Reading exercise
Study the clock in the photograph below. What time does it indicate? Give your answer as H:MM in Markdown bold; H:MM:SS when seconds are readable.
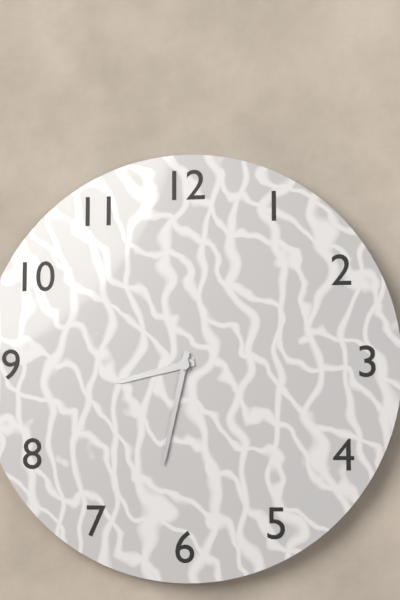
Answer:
**8:32**
